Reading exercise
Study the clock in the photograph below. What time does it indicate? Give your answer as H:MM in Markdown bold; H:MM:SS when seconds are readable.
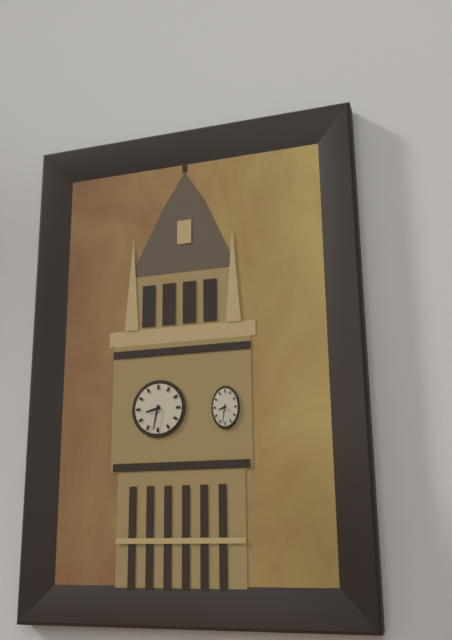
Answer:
**8:32**
